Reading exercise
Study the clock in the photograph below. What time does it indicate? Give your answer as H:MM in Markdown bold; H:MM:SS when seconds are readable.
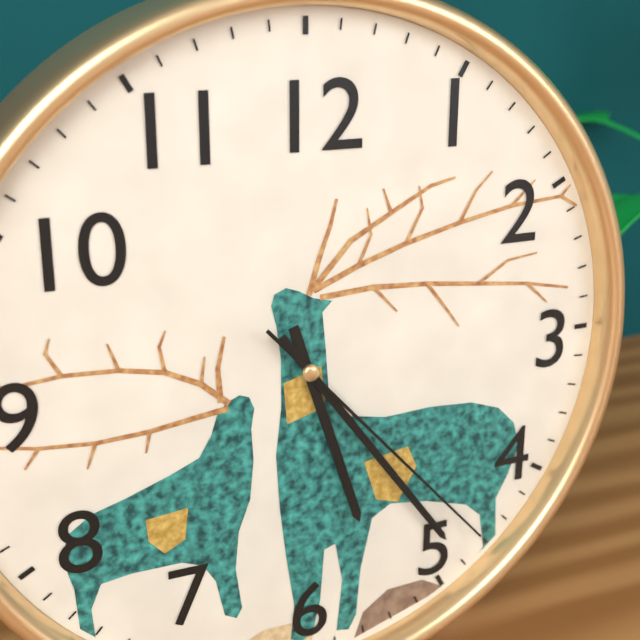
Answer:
**5:24:23**
